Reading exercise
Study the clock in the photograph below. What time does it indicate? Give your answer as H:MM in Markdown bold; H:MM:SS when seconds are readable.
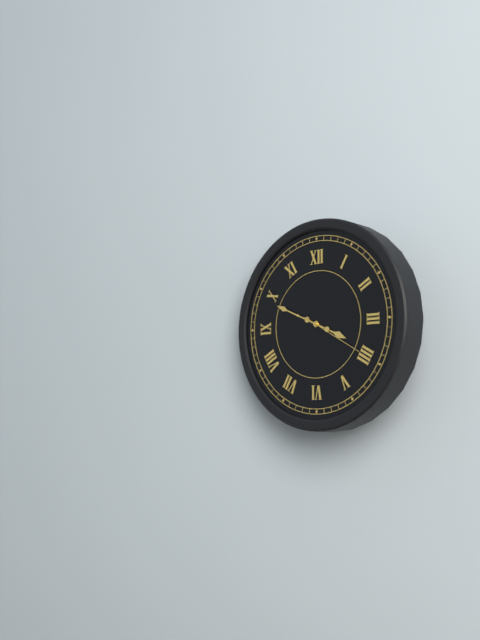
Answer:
**3:49:20**
